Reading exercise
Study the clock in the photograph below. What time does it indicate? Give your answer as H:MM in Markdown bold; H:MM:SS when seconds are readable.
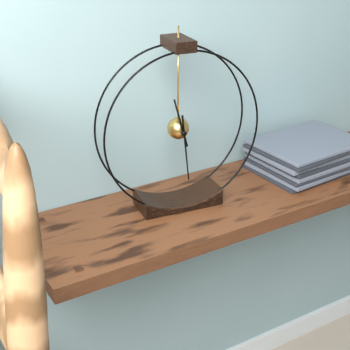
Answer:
**11:29**
